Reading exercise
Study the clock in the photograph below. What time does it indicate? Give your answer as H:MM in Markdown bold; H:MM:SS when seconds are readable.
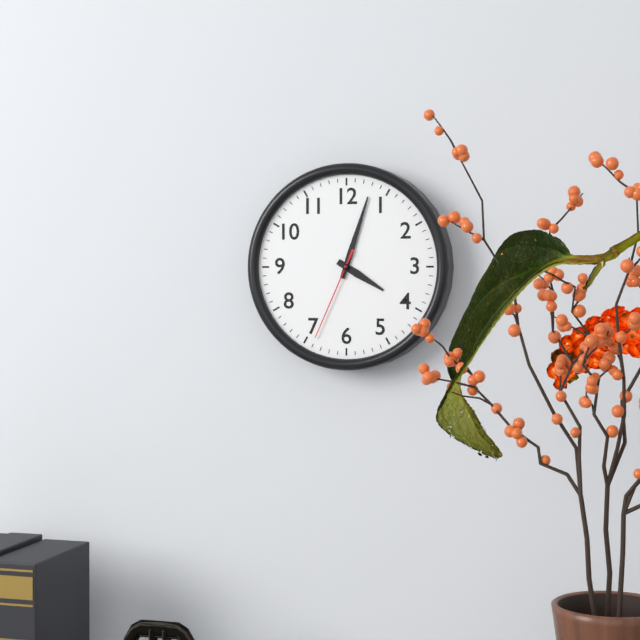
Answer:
**4:03:34**
